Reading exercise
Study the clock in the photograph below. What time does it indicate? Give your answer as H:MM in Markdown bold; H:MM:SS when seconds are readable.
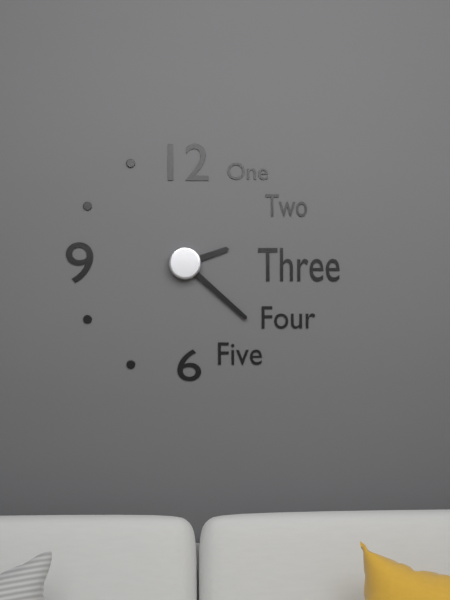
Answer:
**2:22**
